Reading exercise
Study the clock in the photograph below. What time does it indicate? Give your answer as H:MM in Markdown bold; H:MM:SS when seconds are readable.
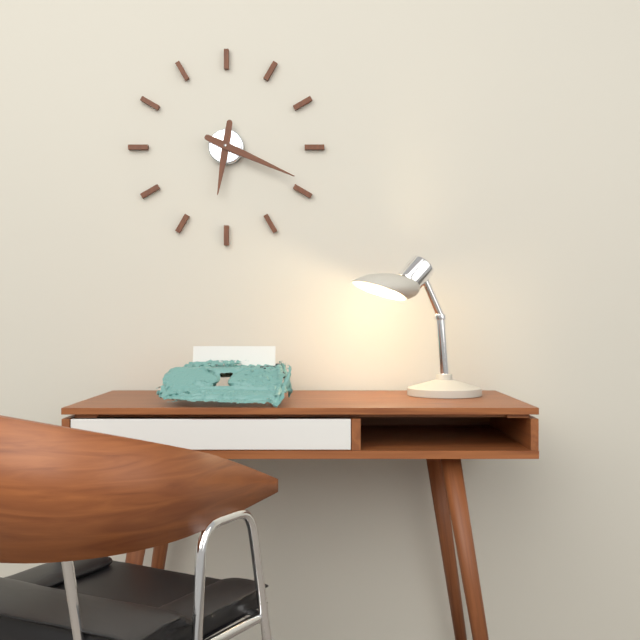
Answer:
**6:19**
